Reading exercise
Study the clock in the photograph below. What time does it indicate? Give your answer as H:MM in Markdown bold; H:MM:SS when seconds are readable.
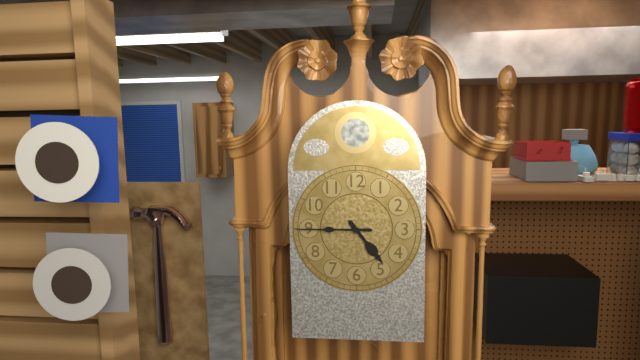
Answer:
**4:45**
